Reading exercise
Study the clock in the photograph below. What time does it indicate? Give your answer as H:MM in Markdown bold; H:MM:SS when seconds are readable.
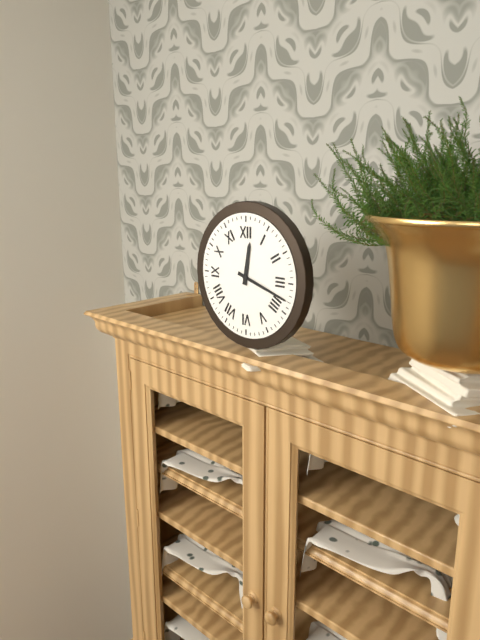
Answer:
**12:18**
